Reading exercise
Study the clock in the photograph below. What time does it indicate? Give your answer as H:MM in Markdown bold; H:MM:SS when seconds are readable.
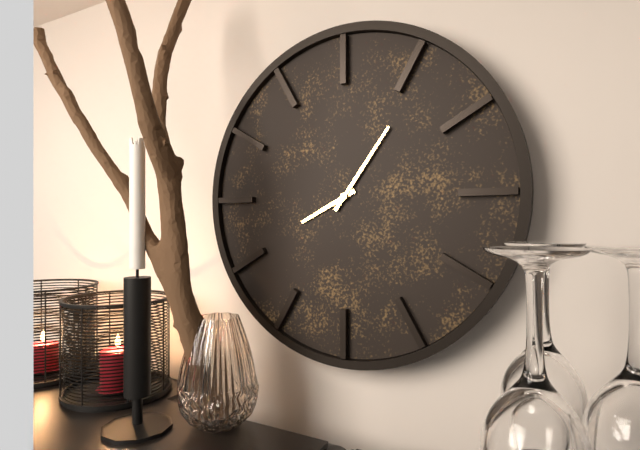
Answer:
**8:06**
